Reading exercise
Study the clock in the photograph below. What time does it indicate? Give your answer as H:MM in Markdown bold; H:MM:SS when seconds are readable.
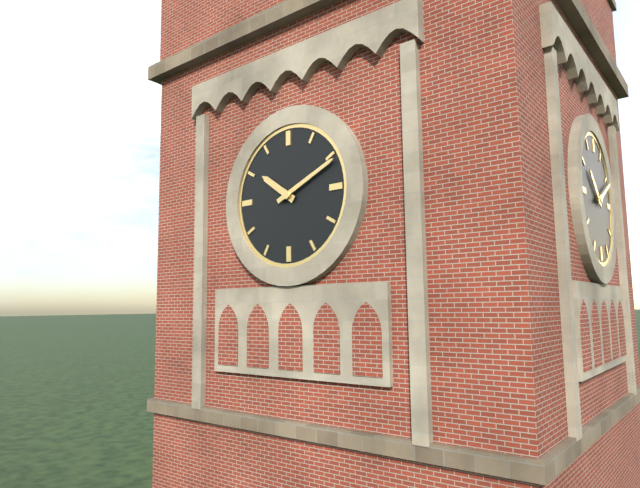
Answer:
**10:11**
